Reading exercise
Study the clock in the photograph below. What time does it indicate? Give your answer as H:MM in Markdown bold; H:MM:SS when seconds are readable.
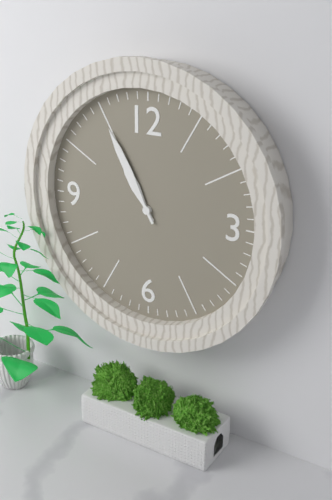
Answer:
**10:55**
